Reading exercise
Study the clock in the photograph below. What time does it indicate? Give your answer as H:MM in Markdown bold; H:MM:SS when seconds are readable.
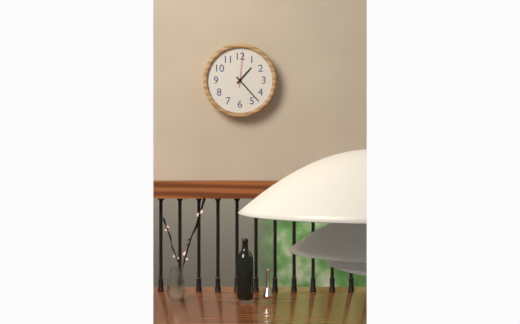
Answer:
**1:23**
